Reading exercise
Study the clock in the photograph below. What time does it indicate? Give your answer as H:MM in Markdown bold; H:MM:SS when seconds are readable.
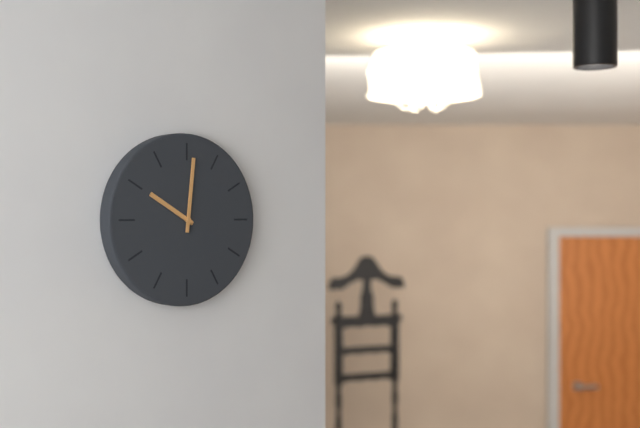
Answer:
**10:01**
